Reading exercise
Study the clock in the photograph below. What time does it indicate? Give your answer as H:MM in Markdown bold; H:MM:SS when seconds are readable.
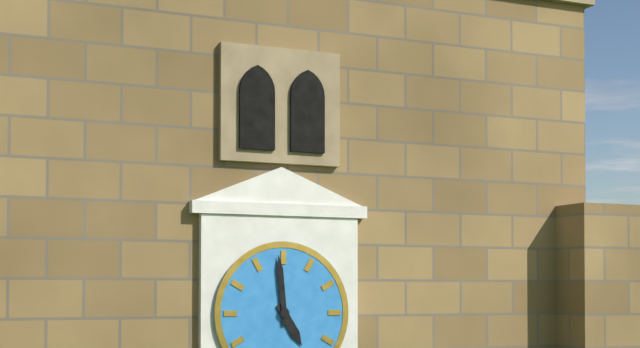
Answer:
**4:59**
